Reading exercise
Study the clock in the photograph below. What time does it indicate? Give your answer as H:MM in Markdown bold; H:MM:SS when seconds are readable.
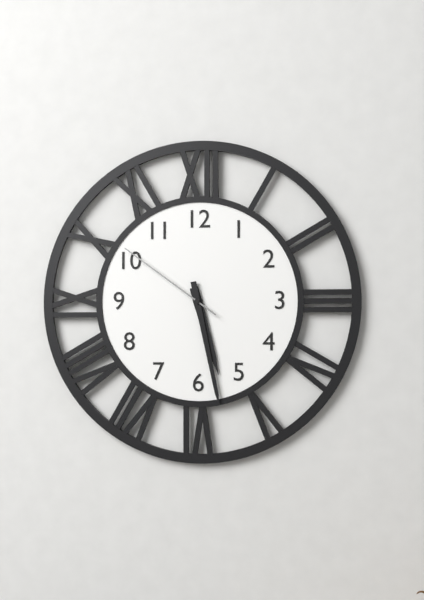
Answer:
**5:28:51**
